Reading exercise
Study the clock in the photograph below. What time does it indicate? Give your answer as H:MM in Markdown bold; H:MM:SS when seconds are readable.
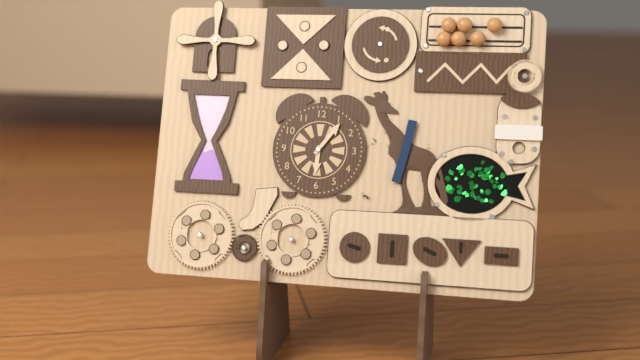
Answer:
**6:06**
